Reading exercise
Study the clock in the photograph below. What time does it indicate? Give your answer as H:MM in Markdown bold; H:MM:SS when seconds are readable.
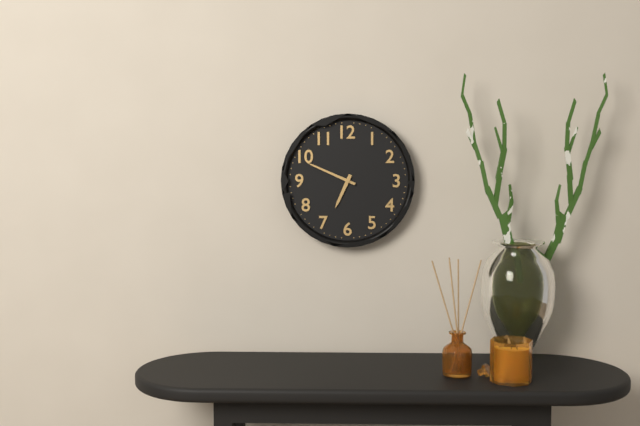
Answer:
**6:49**
